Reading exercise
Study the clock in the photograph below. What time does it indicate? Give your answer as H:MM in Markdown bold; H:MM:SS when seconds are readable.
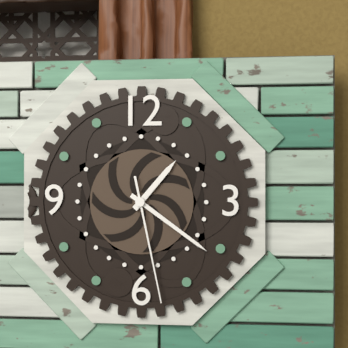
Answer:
**1:21:28**
